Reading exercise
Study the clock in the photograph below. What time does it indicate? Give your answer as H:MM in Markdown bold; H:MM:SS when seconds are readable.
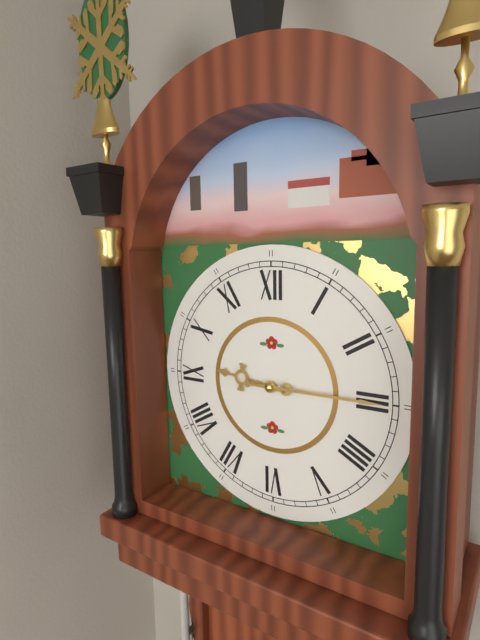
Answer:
**9:15**
